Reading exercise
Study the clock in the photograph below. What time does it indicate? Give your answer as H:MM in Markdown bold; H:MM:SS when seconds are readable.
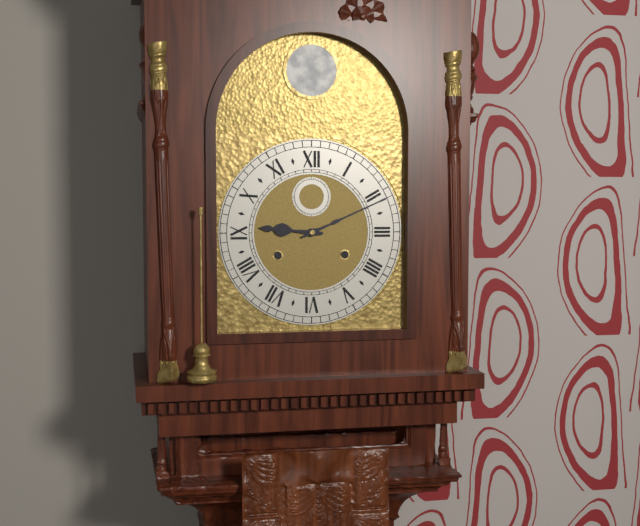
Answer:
**9:11**
